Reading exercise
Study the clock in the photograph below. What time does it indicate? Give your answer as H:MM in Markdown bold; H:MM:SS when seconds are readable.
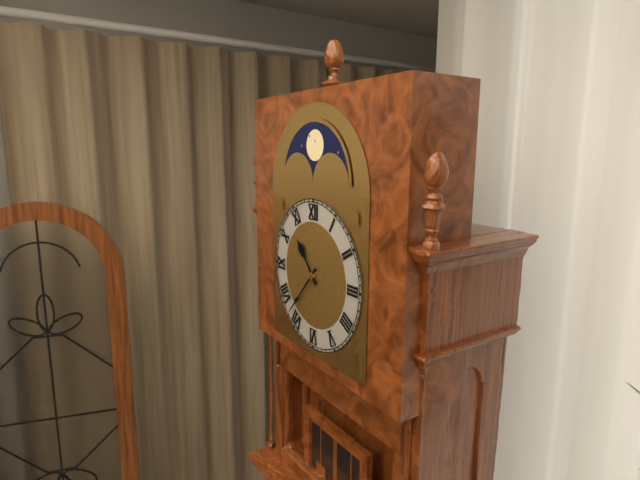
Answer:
**10:37**
